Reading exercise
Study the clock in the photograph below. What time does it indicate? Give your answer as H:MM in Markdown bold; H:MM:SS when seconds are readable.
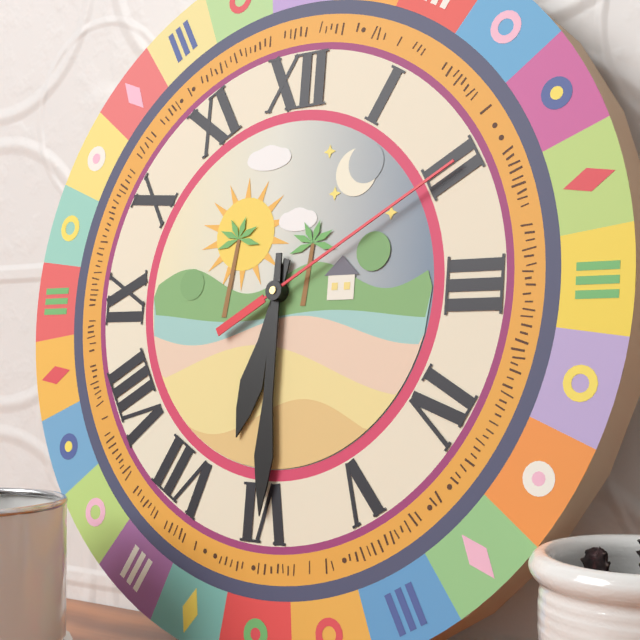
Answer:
**6:30:10**
